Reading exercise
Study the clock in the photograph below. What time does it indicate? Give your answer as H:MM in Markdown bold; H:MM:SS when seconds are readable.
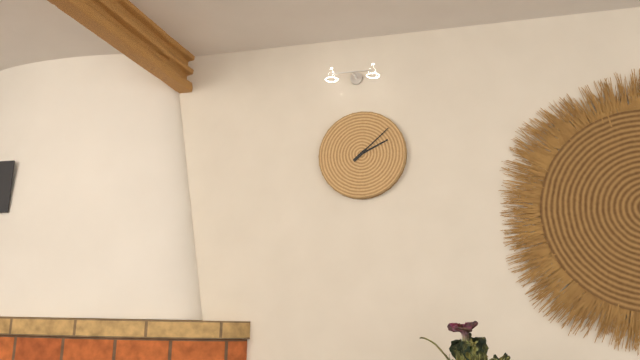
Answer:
**2:08**
